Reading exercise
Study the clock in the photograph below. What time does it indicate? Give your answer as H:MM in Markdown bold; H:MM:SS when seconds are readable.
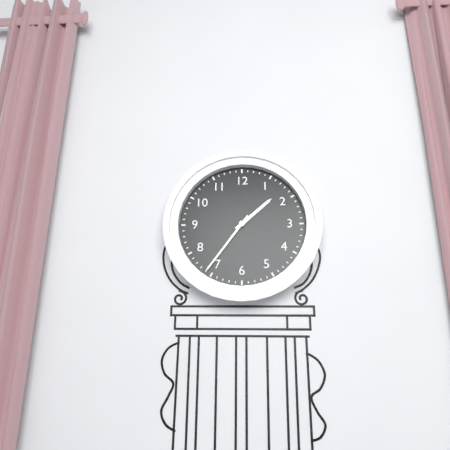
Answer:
**1:36**
